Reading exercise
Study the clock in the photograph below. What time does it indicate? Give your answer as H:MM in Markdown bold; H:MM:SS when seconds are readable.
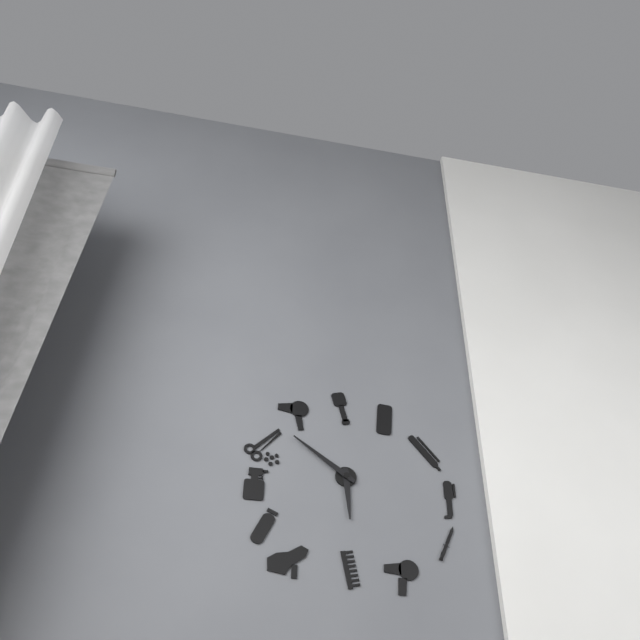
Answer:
**5:51**
